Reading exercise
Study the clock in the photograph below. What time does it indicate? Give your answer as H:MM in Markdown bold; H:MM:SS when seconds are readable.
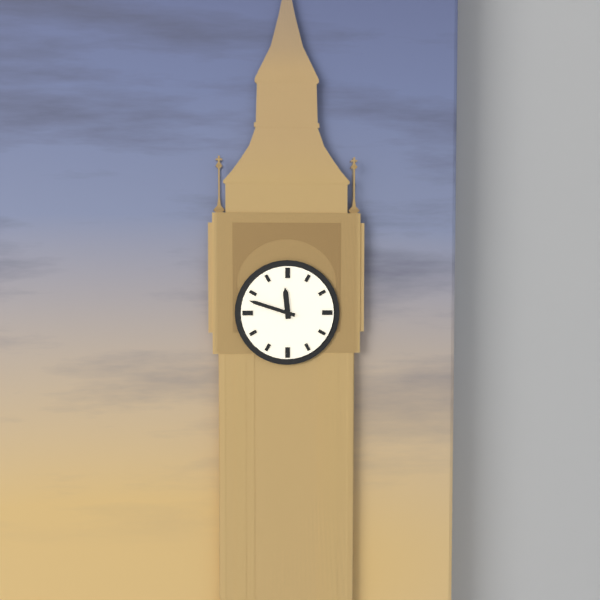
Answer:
**11:48**
